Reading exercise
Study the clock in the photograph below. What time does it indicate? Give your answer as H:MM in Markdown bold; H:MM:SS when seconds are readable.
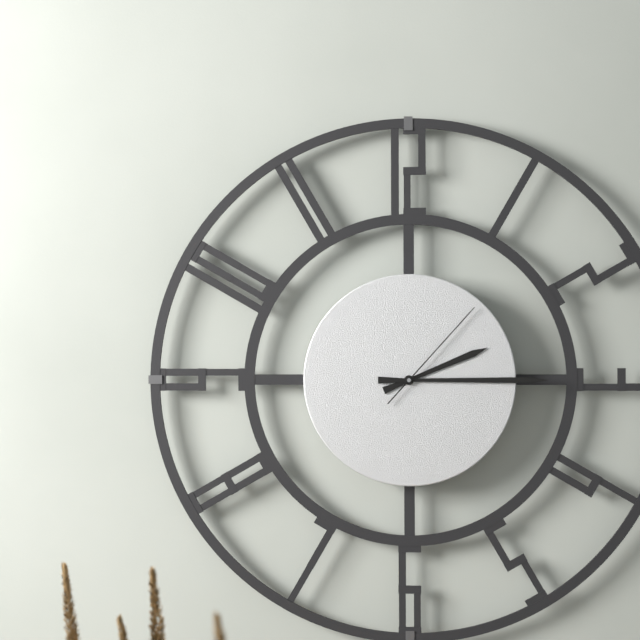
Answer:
**2:15:07**
